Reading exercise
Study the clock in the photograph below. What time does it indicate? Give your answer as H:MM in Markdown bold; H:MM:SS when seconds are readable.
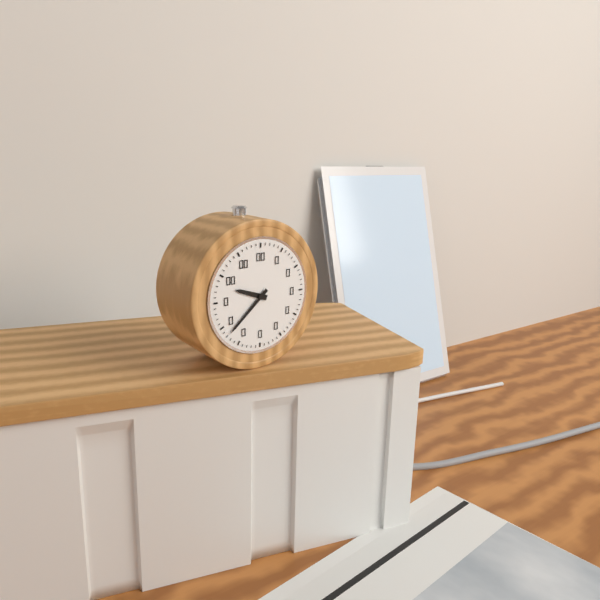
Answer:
**9:38**
